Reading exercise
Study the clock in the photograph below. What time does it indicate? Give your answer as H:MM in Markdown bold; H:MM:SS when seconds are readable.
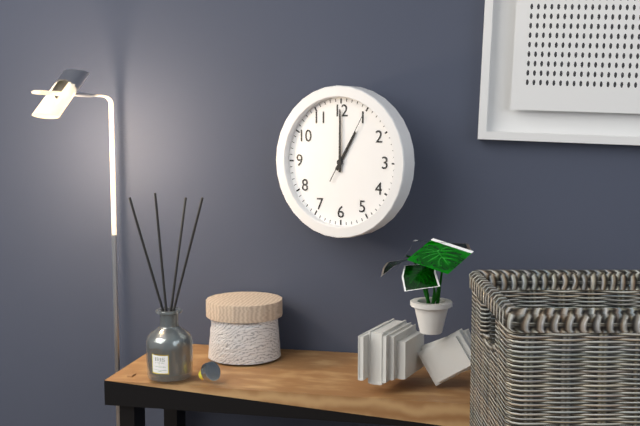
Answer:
**1:00:05**
